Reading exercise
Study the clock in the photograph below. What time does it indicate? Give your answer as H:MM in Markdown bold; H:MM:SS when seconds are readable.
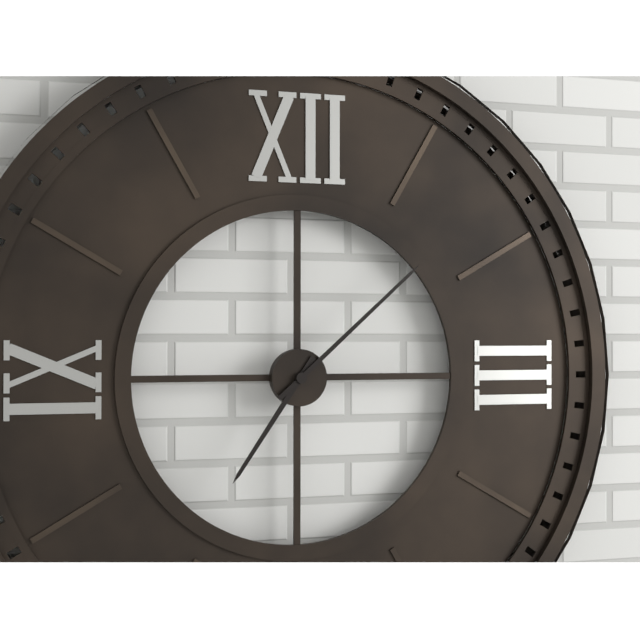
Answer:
**7:08**
